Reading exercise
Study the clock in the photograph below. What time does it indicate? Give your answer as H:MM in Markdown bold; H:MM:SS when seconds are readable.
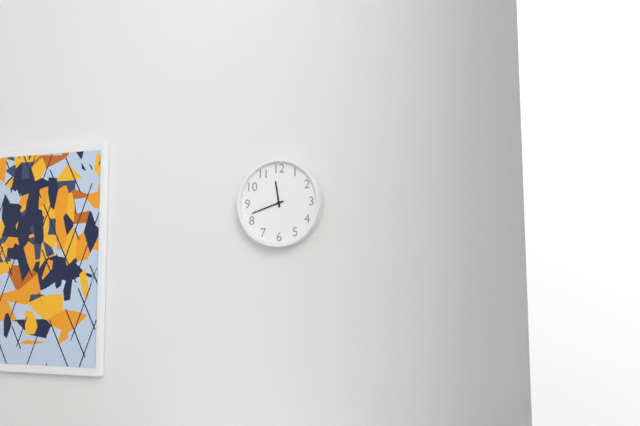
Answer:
**11:42**
